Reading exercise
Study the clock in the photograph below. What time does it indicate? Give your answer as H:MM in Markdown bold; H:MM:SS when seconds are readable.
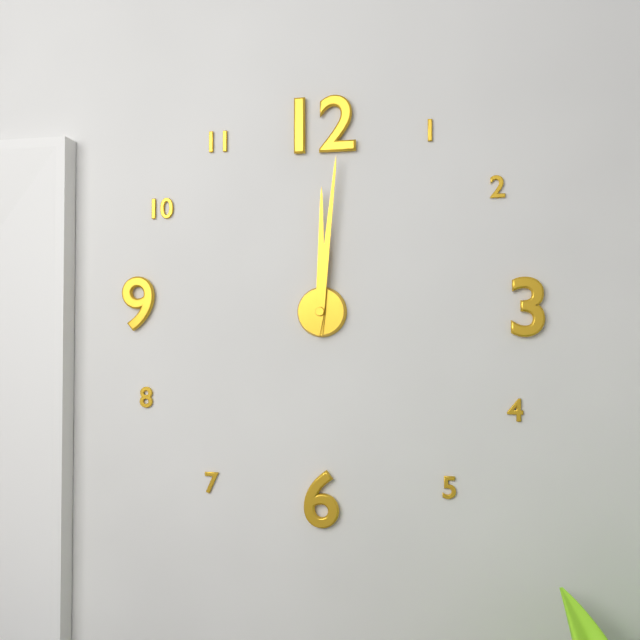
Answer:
**12:01**
